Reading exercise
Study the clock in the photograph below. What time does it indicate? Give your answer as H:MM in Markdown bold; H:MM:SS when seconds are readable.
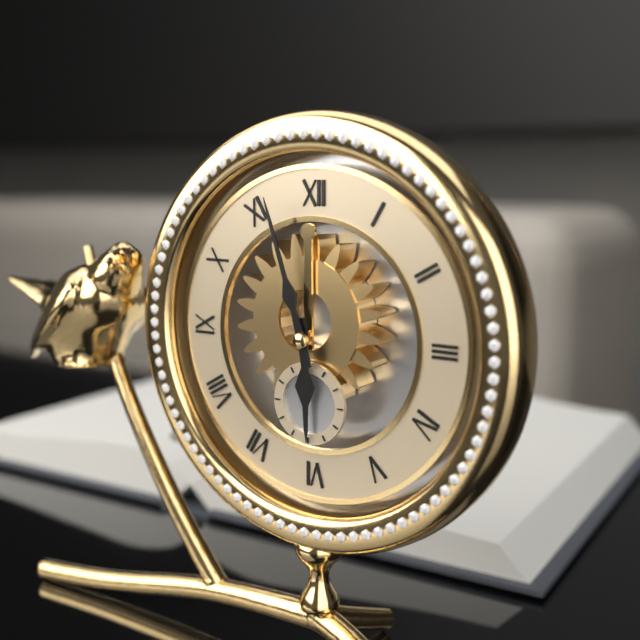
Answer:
**5:57**
